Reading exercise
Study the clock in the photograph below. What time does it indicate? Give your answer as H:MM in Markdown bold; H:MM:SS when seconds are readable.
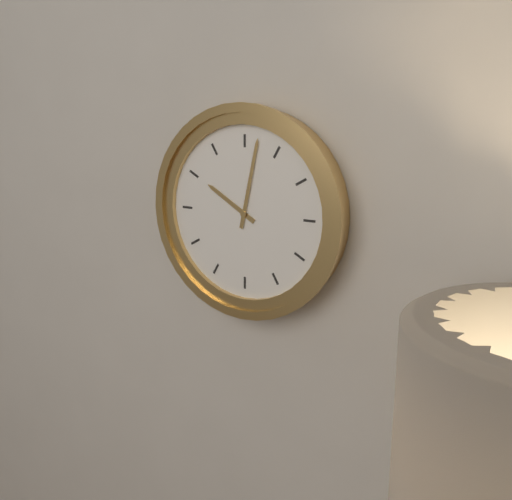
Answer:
**10:02**
